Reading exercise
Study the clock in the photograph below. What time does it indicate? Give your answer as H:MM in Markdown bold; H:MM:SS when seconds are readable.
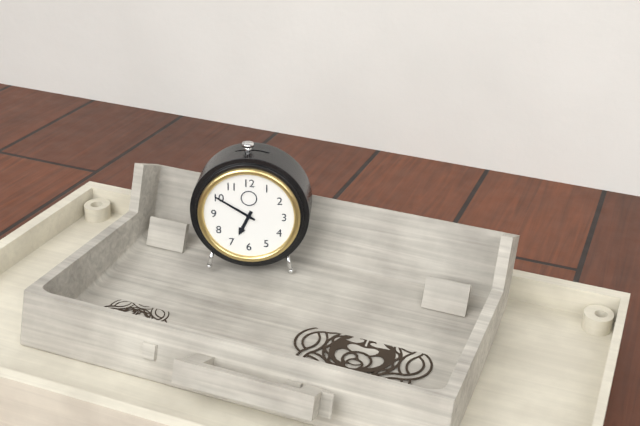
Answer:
**6:50**
